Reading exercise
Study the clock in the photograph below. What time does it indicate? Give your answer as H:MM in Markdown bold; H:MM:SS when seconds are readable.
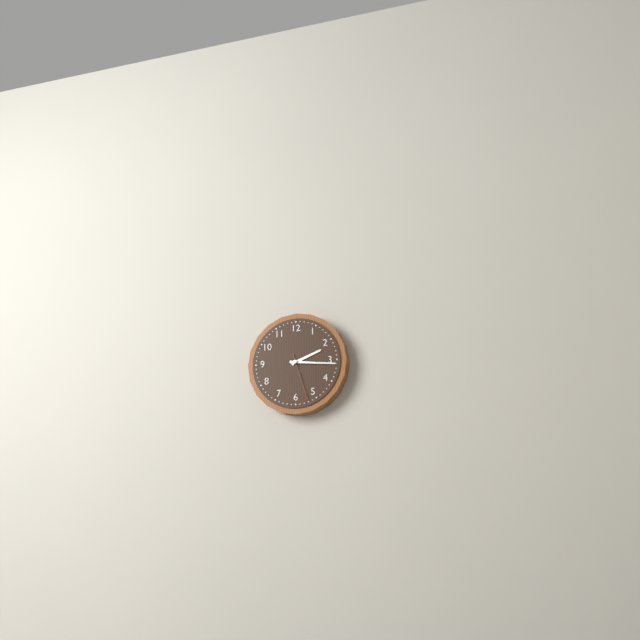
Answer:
**2:16:27**
